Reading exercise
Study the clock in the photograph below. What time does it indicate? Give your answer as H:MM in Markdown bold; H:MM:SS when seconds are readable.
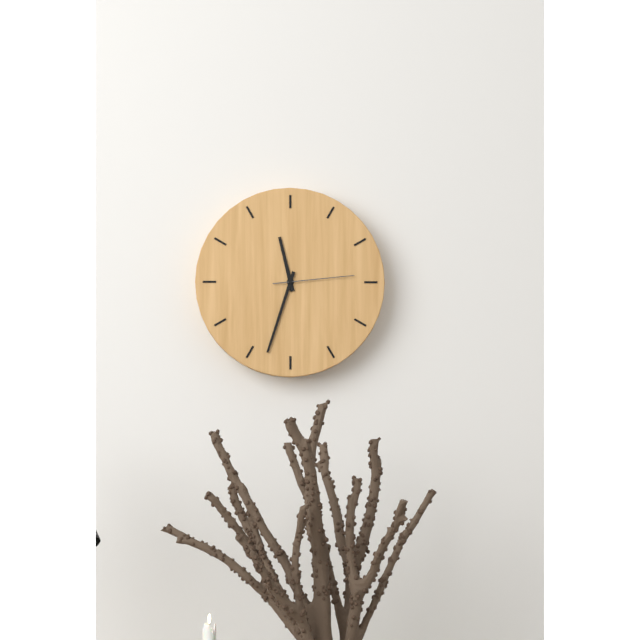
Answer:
**11:33:14**
